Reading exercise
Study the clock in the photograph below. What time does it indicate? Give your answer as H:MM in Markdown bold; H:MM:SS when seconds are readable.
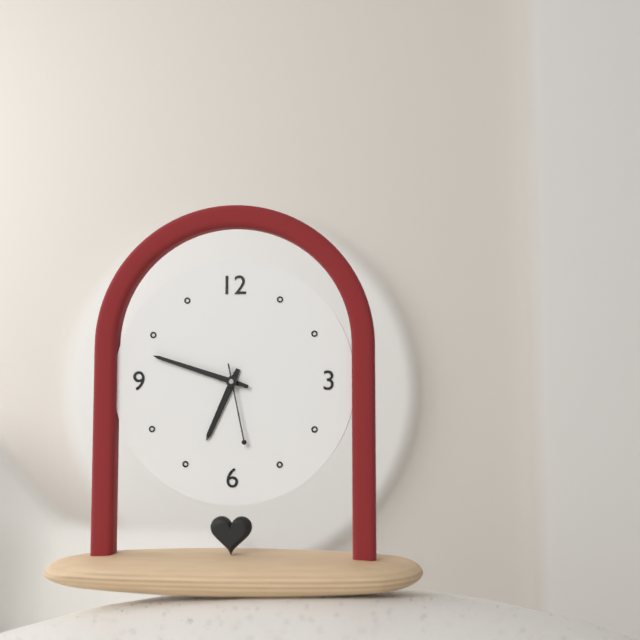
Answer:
**6:48:28**
